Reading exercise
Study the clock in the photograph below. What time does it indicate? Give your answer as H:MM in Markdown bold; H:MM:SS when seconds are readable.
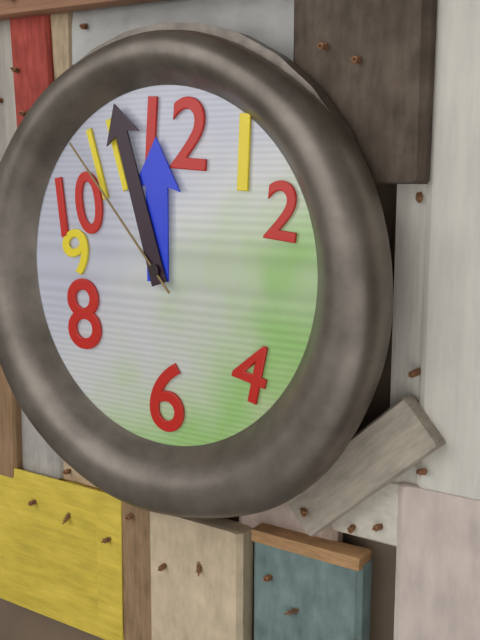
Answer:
**11:57:53**
